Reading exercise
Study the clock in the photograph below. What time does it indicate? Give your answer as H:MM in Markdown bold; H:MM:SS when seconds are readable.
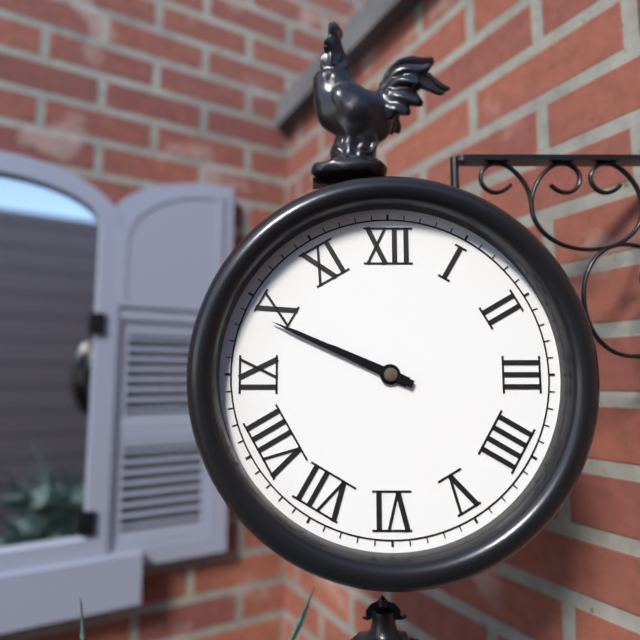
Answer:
**9:49**
